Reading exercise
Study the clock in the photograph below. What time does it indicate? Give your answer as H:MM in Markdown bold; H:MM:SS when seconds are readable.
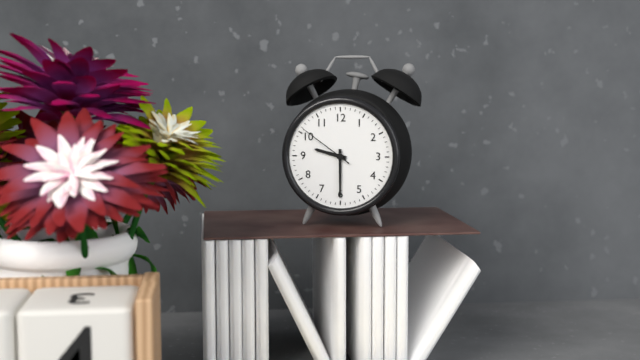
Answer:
**9:30:51**
